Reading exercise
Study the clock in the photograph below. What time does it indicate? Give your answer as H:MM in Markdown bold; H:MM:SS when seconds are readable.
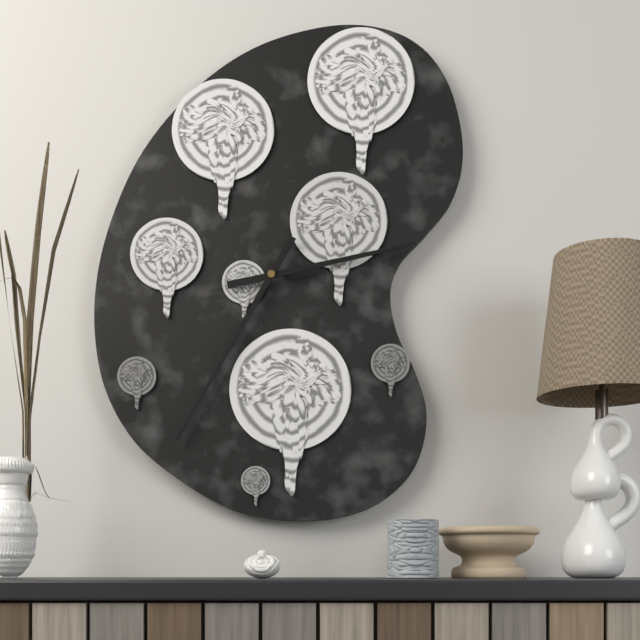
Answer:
**2:35**
